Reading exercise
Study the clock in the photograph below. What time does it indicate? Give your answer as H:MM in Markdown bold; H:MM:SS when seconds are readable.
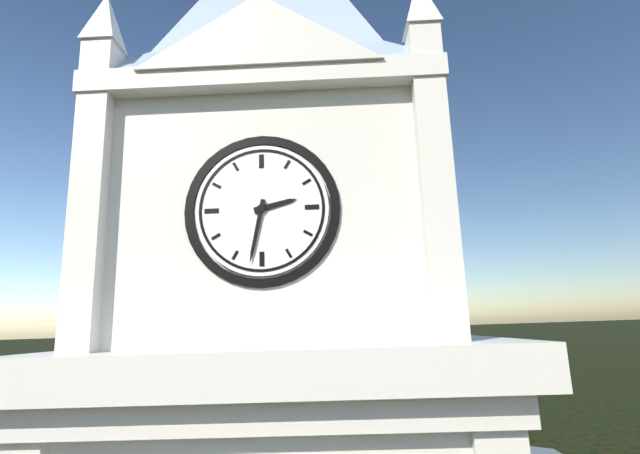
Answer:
**2:32**
